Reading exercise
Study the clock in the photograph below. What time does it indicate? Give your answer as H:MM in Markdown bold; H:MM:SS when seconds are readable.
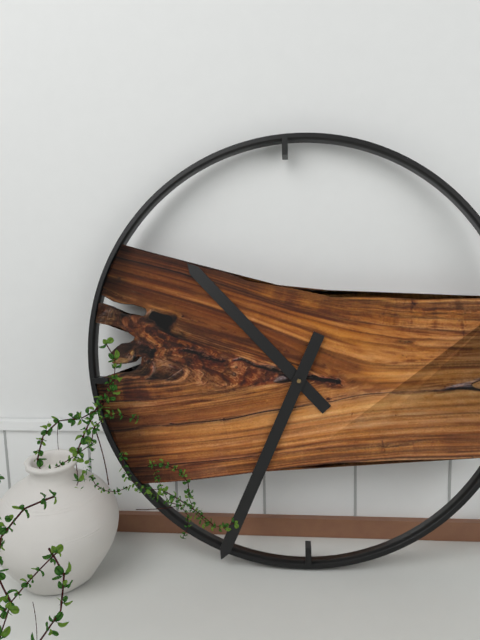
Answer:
**10:34**
